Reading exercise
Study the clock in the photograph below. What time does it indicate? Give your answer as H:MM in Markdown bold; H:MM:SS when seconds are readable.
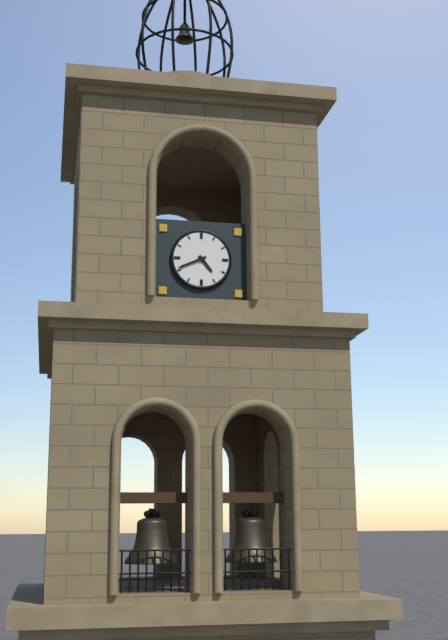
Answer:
**4:41**
